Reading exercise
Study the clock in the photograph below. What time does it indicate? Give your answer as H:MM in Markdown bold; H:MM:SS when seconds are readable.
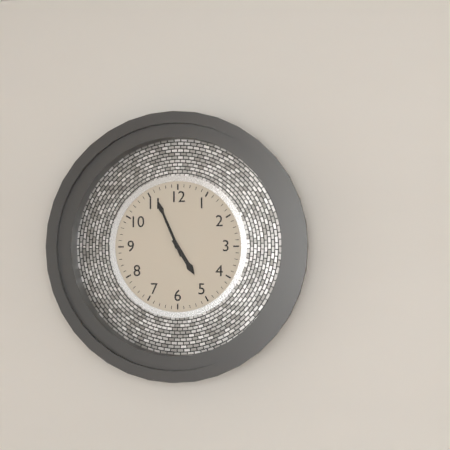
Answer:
**4:56**
